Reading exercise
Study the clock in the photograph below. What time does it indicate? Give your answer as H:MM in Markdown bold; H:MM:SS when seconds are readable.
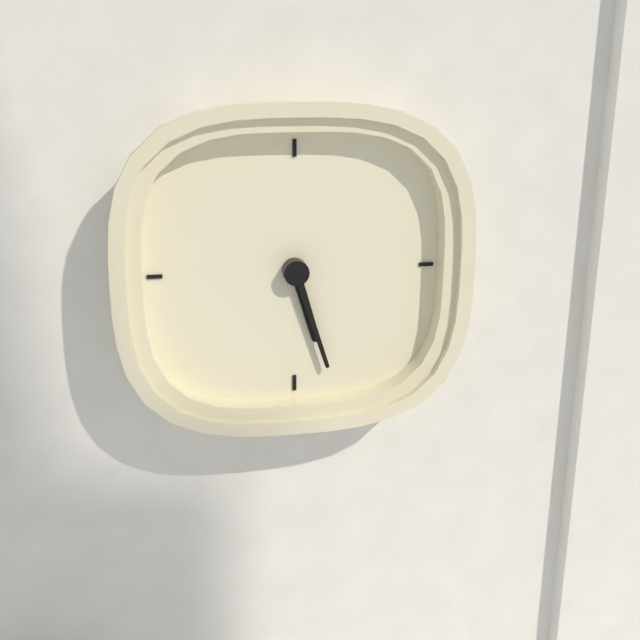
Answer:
**5:27**
